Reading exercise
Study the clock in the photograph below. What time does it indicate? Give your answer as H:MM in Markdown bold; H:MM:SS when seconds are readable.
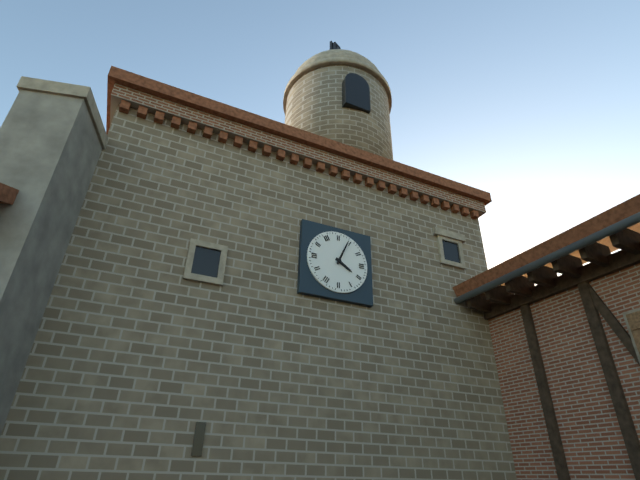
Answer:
**4:04**
